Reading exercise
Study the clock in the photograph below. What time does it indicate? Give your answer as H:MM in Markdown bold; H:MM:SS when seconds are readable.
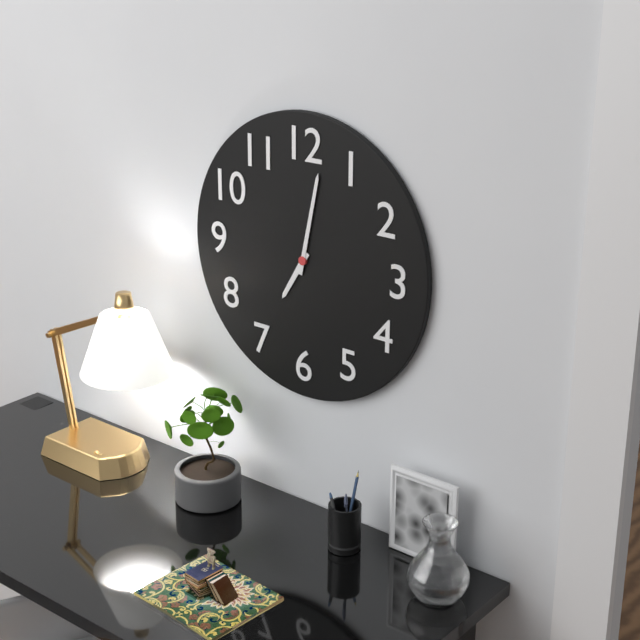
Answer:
**7:02**
